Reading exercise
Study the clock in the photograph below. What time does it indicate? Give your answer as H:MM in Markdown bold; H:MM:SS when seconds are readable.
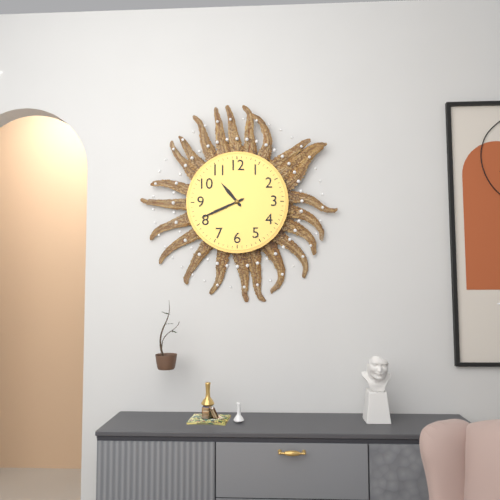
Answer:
**10:41**
